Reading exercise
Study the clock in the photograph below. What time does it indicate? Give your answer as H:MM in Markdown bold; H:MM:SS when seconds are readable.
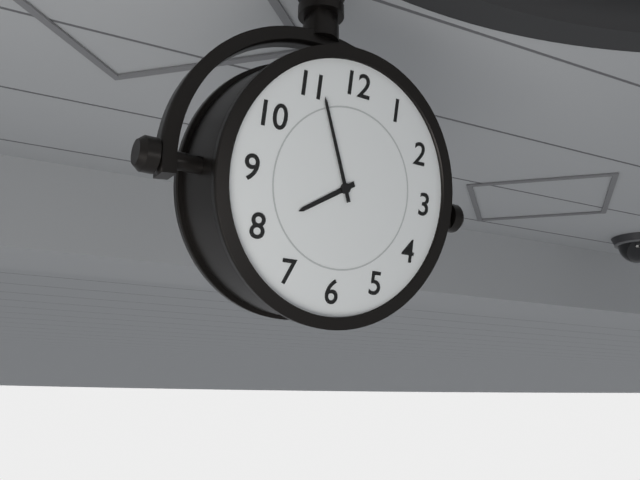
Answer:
**7:56**
